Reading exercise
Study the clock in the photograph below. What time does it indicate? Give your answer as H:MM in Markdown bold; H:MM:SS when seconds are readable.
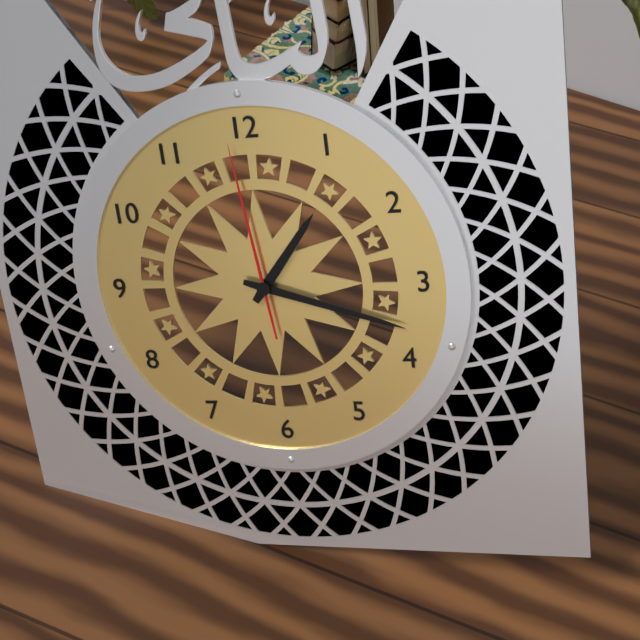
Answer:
**1:18:59**
